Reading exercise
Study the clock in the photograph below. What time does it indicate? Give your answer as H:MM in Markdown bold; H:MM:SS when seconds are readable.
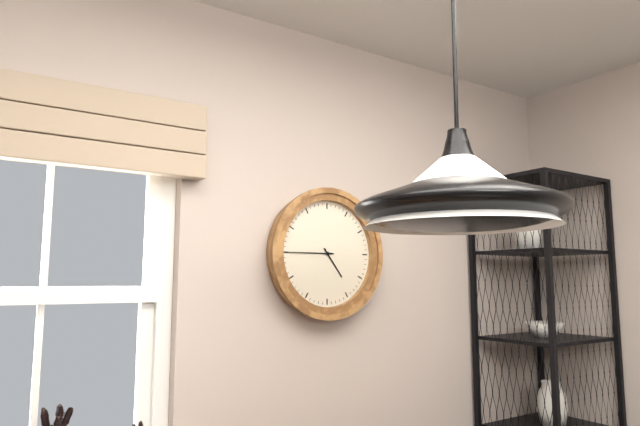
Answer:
**4:45**
